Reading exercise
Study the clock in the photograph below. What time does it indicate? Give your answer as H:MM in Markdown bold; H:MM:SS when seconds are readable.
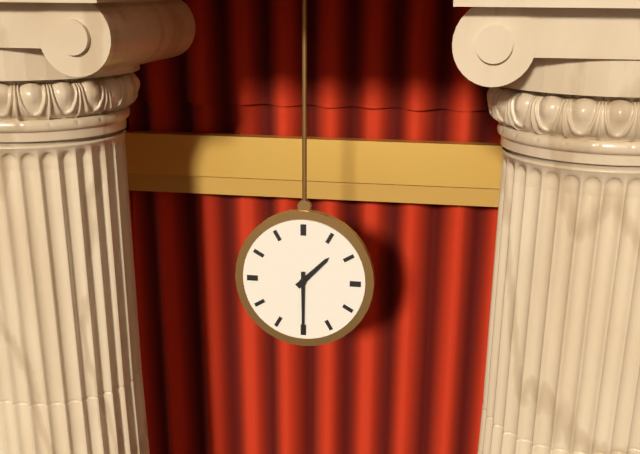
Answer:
**1:30**
